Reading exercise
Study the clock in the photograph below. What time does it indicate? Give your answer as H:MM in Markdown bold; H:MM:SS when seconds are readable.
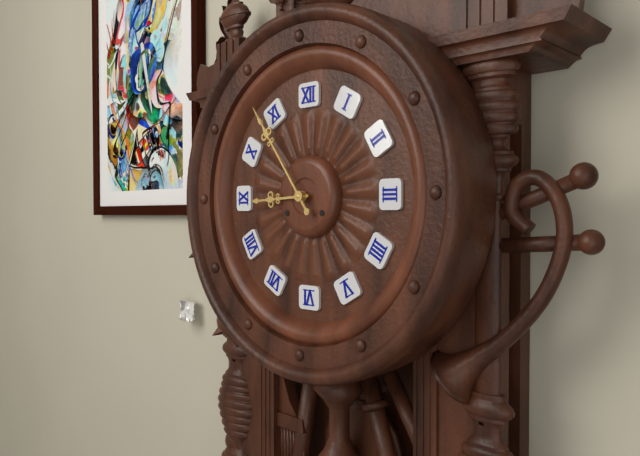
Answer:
**8:54**
